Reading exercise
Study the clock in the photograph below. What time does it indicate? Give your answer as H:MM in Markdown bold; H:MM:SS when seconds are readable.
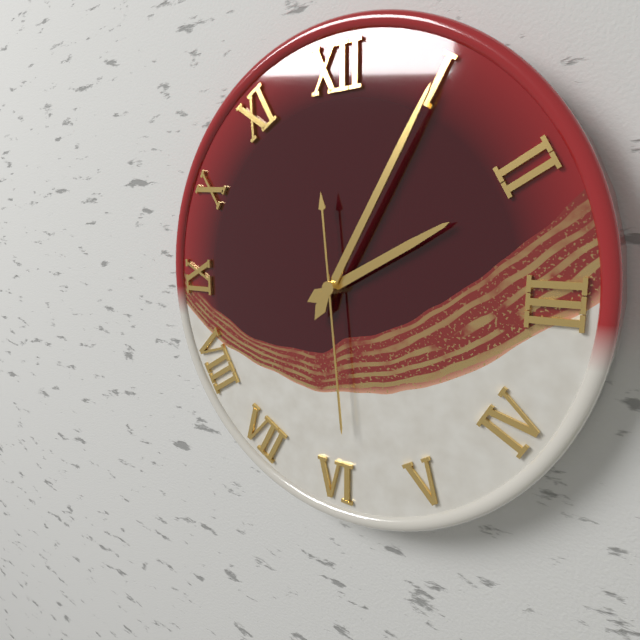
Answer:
**2:05:29**
